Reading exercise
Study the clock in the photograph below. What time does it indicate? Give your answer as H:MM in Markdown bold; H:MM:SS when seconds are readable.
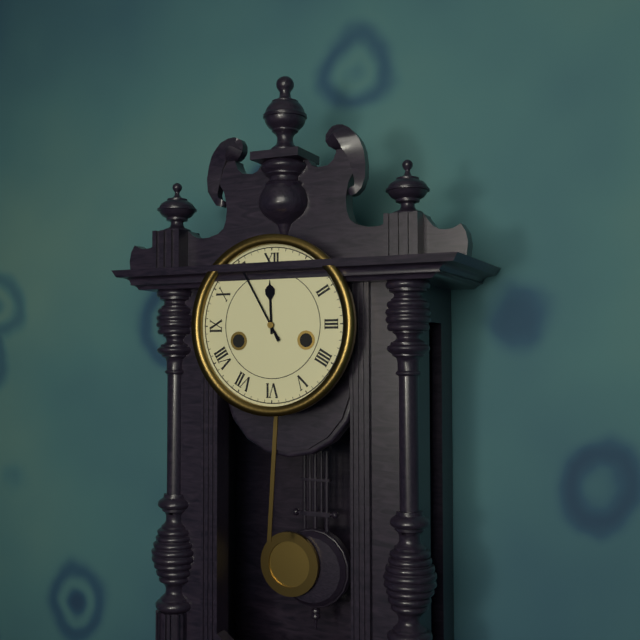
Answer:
**11:55**
